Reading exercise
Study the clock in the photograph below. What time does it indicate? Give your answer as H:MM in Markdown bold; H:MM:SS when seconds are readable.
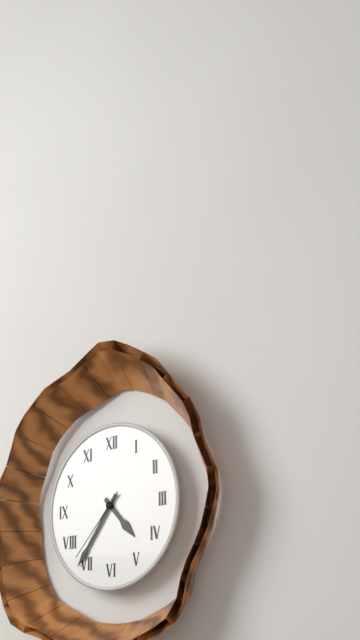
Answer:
**4:36:37**
